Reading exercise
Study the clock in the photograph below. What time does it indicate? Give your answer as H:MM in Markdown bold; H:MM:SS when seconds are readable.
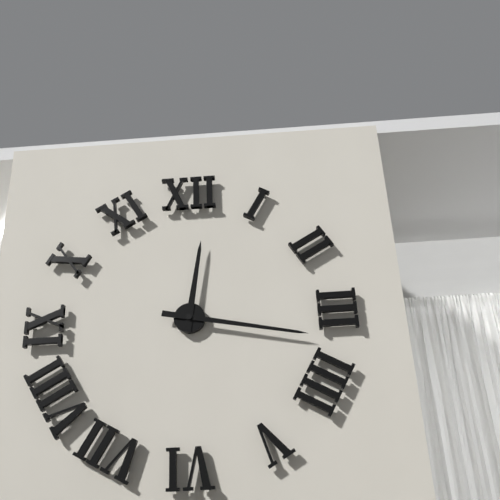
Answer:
**12:17**
